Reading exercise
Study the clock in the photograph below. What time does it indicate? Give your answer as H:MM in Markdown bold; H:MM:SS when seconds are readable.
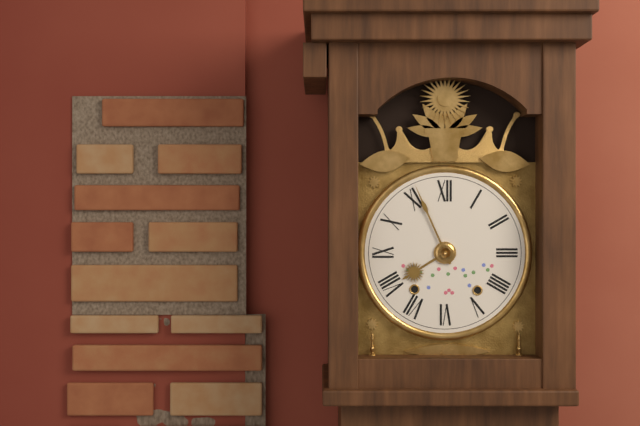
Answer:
**7:56**
